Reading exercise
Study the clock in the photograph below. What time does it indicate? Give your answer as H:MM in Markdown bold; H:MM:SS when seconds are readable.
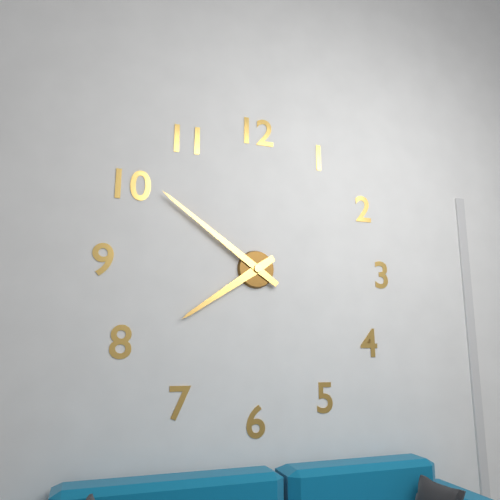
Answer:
**7:51**
